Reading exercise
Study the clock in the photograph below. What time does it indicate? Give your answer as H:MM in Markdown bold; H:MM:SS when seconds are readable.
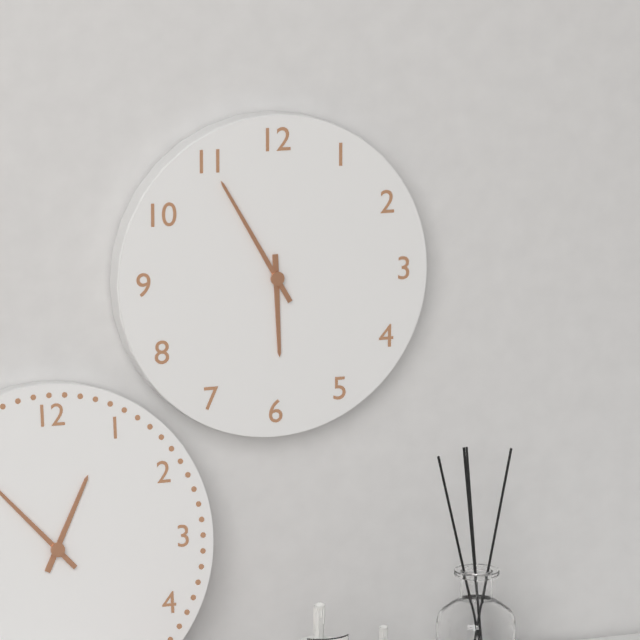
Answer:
**5:55**
